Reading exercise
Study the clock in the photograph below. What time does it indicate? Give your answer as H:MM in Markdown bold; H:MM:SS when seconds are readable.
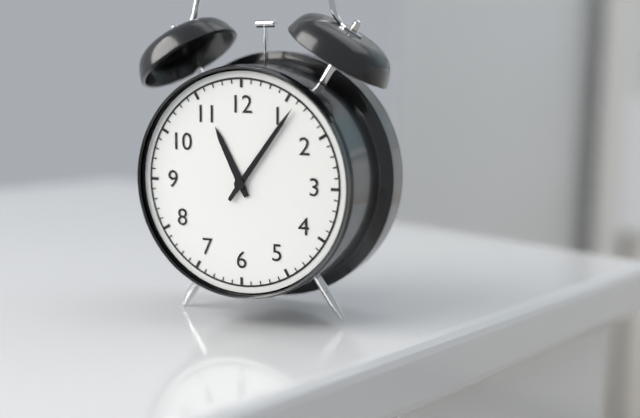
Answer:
**11:06**
